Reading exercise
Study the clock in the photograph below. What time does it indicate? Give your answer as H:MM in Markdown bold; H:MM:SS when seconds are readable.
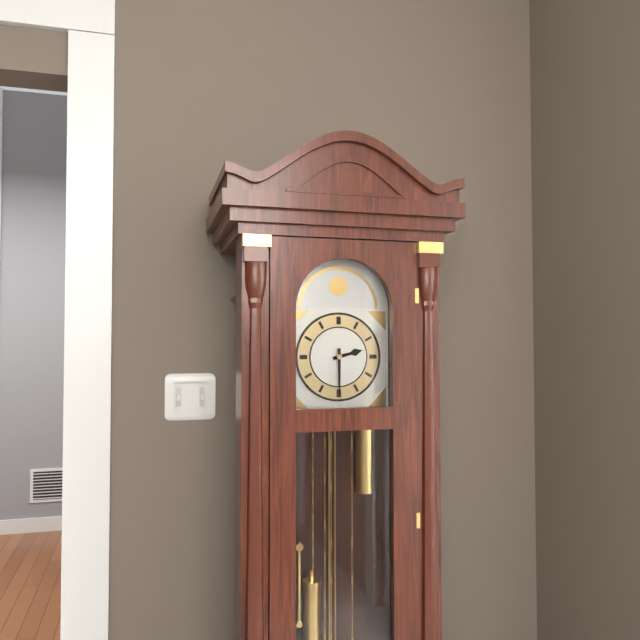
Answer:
**2:30**
